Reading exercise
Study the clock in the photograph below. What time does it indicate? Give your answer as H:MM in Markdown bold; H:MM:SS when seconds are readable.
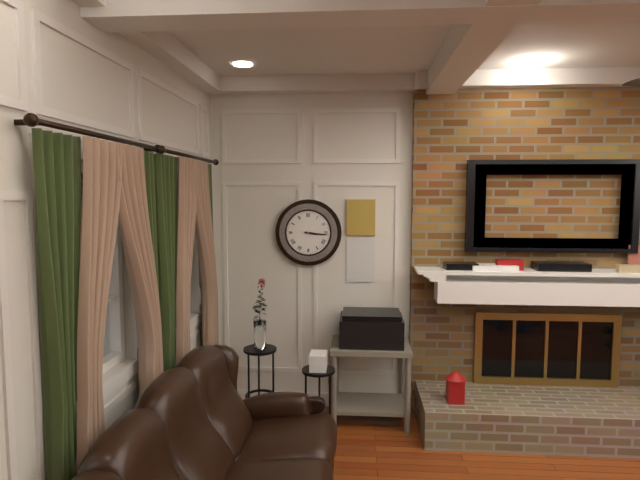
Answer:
**3:16**
